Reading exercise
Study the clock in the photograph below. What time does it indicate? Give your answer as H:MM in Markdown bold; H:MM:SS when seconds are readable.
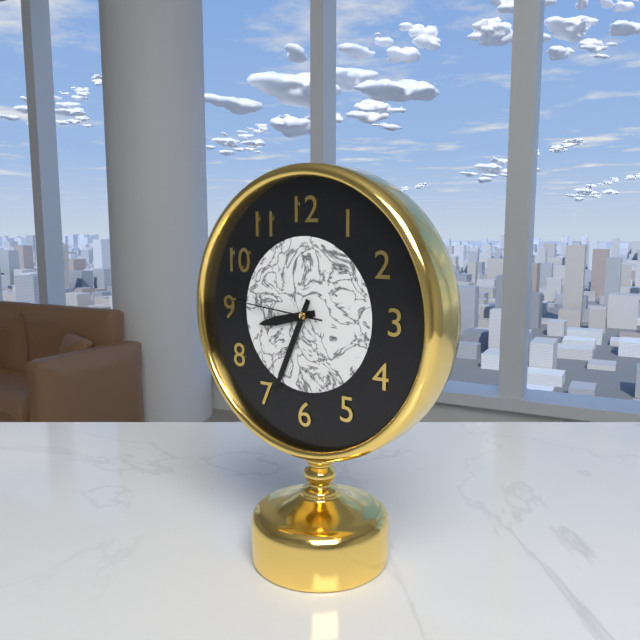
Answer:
**8:34:46**
